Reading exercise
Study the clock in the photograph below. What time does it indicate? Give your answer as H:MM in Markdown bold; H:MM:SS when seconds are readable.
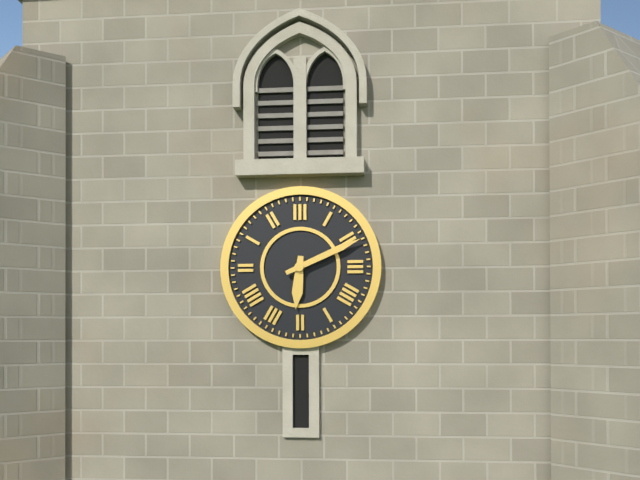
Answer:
**6:11**
